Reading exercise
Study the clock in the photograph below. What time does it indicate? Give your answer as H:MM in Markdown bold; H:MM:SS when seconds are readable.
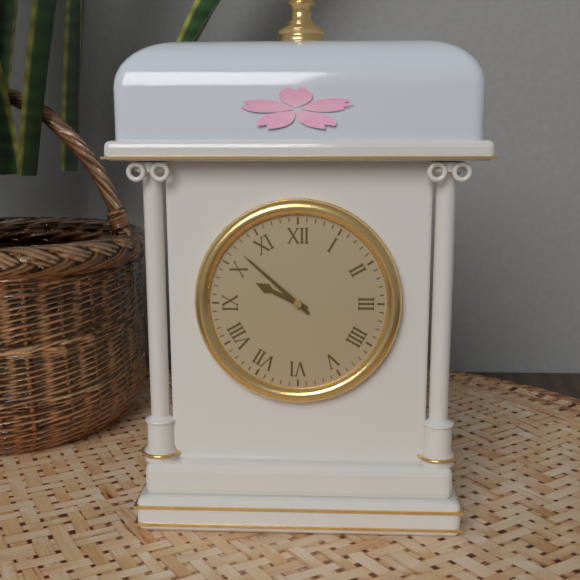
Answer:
**9:52**
